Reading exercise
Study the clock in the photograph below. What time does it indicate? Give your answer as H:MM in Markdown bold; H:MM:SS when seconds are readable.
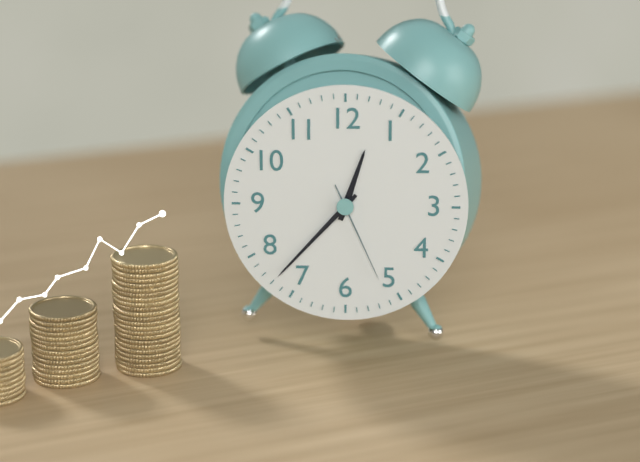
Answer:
**12:37:26**
